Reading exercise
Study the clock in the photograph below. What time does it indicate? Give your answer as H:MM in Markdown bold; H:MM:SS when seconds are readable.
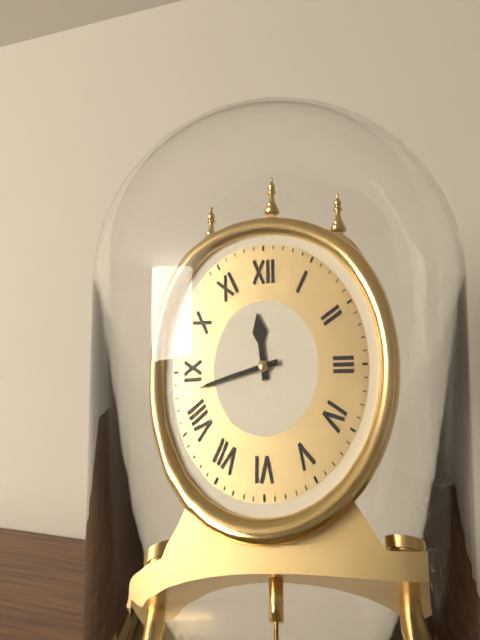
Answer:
**11:43**
